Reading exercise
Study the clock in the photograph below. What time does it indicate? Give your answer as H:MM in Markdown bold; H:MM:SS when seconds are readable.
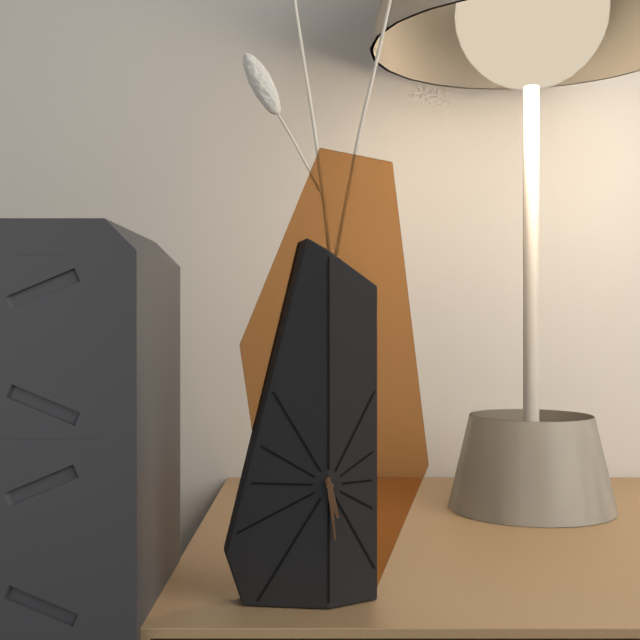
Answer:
**5:29**
